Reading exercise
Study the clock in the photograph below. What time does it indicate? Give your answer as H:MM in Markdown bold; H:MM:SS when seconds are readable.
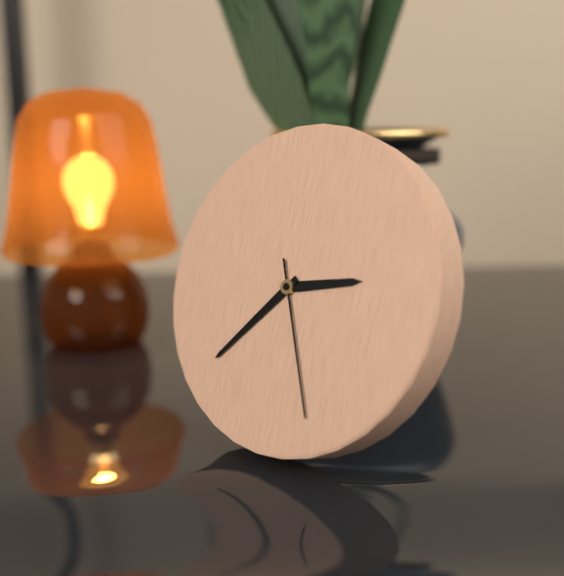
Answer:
**2:37:26**
